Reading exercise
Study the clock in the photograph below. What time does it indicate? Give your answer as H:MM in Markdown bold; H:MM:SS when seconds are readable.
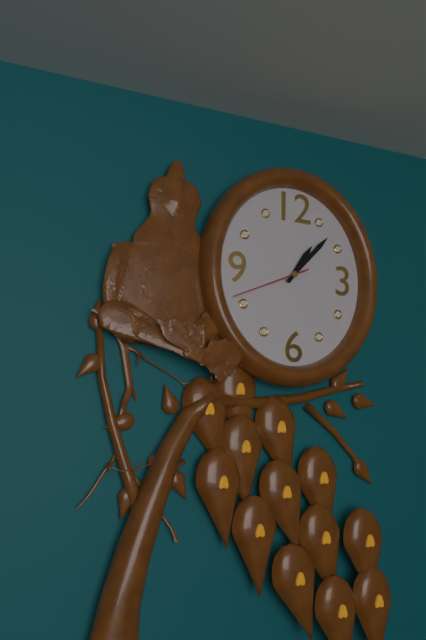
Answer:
**1:07:41**
